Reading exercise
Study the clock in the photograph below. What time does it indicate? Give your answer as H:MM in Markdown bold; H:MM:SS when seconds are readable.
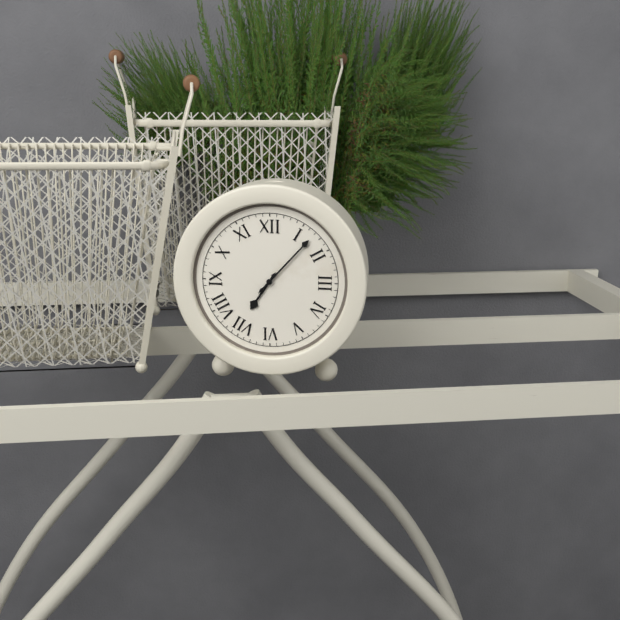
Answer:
**7:07**
